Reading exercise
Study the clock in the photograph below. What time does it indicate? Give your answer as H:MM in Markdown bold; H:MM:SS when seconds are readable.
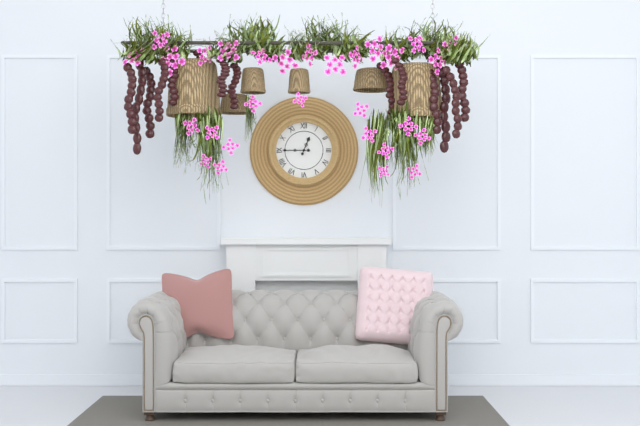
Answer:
**12:45**
